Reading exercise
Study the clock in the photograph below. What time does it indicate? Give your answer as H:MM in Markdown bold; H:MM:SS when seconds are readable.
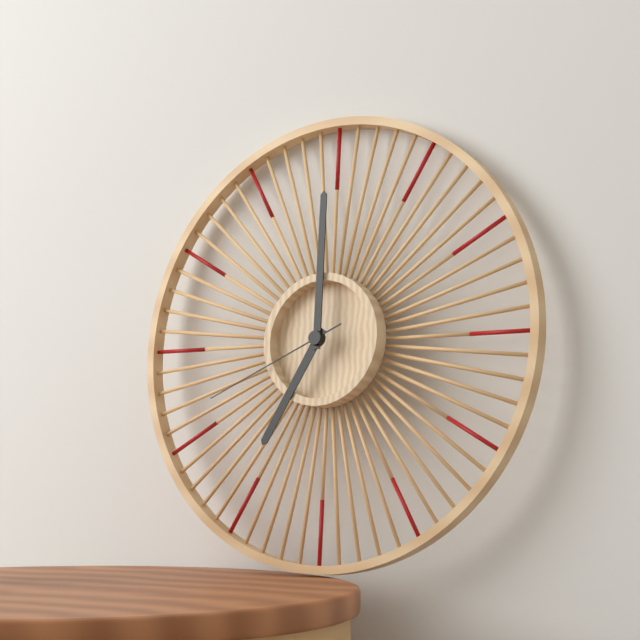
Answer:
**7:00:41**
